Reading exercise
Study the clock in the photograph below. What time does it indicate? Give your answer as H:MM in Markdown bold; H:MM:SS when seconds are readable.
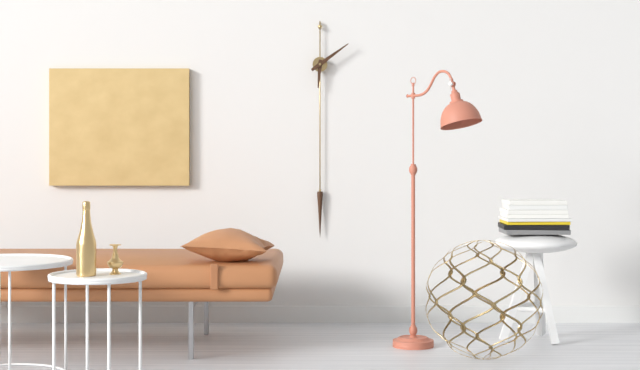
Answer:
**6:09**
